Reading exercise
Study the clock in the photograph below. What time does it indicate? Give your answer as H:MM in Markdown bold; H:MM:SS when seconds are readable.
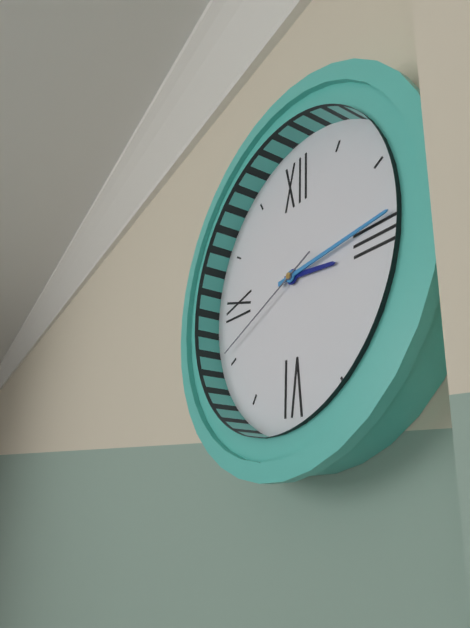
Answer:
**3:14:41**
